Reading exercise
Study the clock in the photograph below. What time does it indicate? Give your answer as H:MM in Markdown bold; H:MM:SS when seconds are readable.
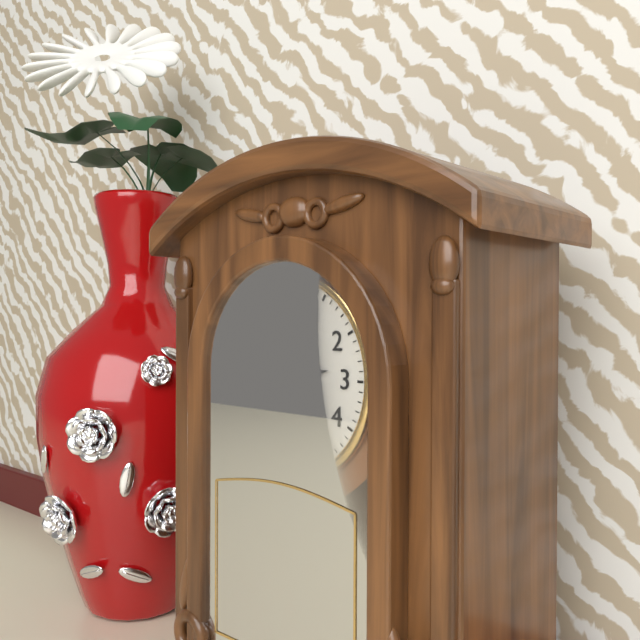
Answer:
**2:42**
